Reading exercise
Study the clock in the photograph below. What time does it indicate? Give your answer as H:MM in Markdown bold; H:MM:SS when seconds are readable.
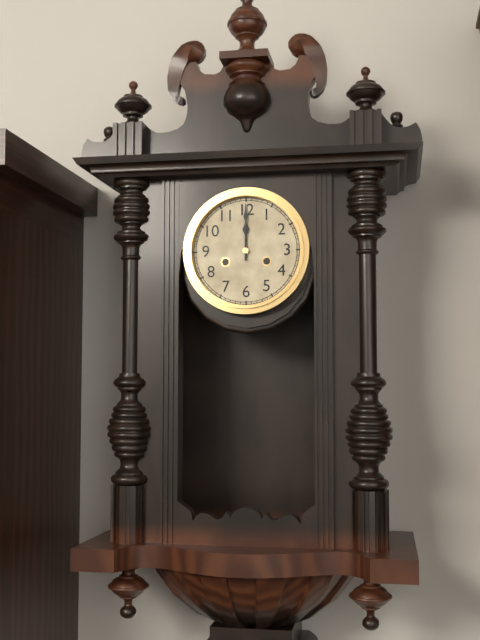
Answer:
**12:00**
